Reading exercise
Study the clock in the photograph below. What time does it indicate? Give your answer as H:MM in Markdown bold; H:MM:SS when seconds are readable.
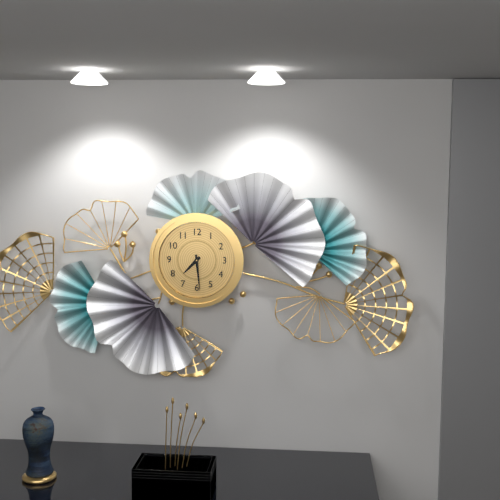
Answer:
**7:29**
